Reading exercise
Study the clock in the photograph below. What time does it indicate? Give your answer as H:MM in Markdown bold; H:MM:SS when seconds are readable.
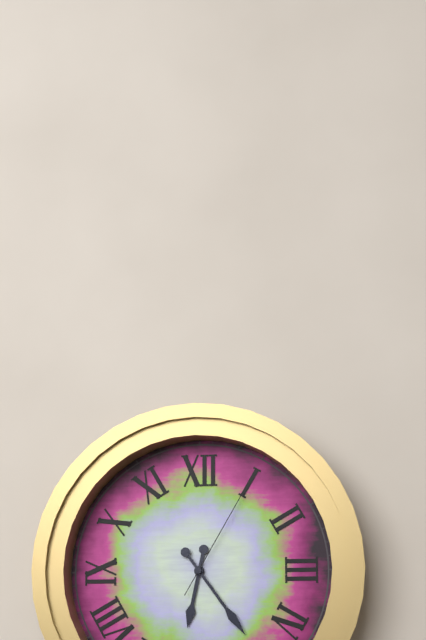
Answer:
**6:24:05**
